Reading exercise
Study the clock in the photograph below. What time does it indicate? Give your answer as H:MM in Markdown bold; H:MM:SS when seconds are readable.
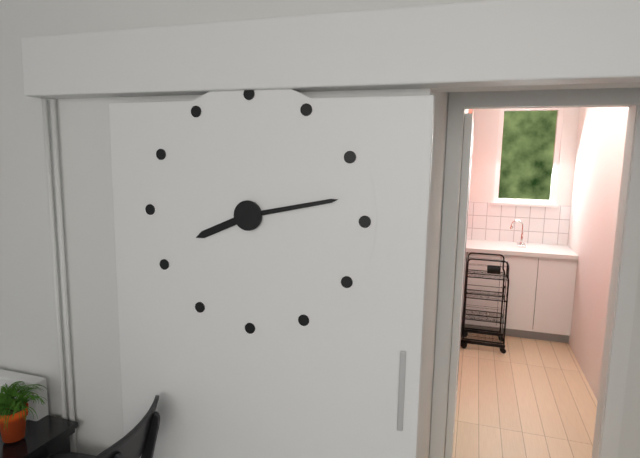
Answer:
**8:13**
